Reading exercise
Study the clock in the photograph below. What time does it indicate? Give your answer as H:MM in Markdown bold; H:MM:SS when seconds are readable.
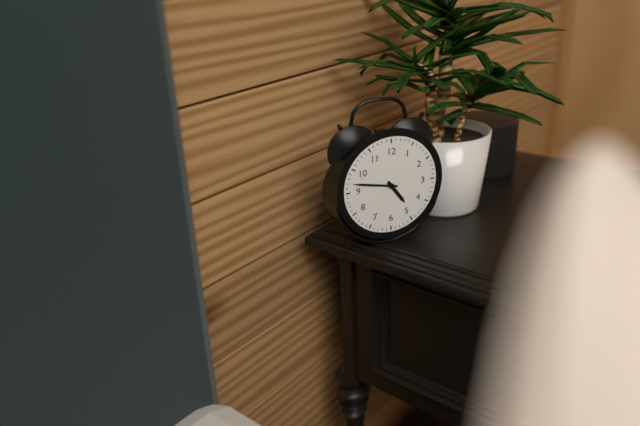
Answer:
**4:47**
